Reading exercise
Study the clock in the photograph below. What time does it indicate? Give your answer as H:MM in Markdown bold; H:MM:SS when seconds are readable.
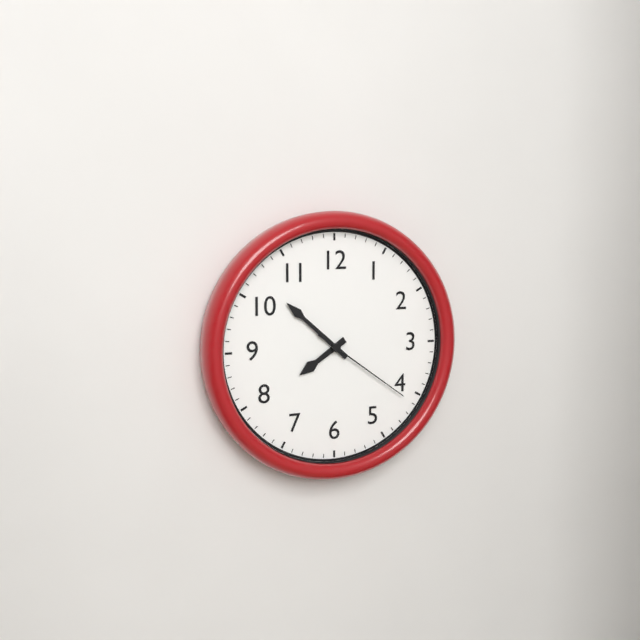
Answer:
**7:52:21**
